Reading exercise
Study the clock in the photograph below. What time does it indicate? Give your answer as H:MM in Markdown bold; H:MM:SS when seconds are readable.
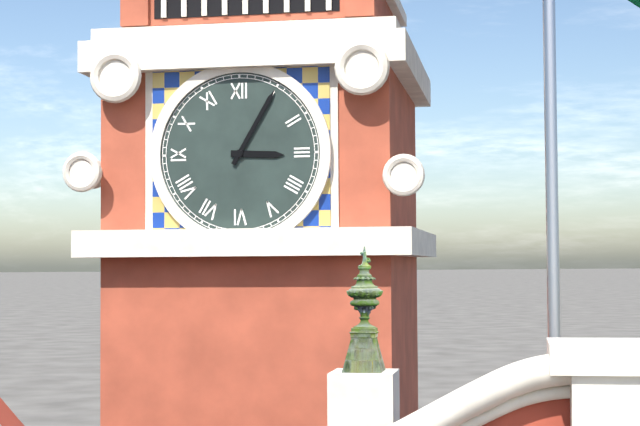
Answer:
**3:05**
